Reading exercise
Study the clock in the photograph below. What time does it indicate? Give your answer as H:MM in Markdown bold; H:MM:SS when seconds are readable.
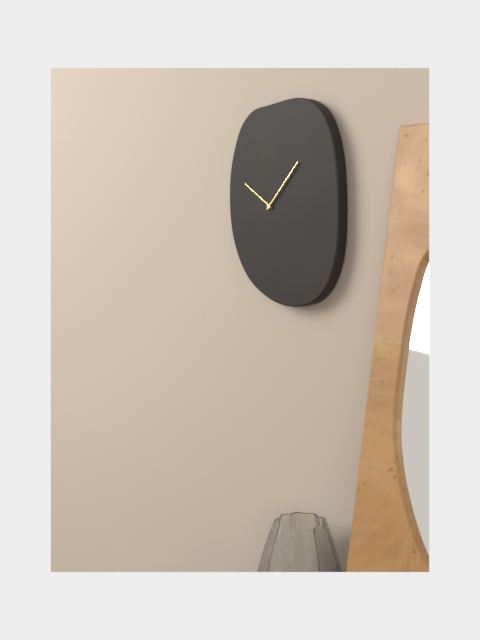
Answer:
**10:07**
